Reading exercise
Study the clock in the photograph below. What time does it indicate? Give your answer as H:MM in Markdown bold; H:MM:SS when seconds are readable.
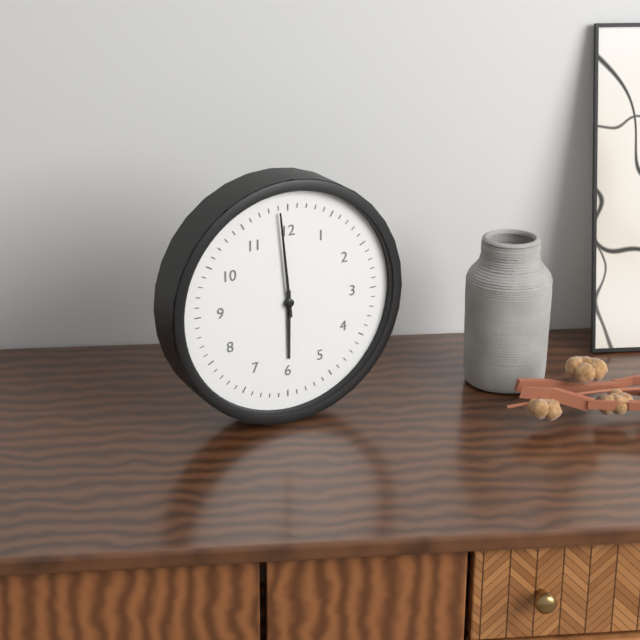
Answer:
**5:59**
